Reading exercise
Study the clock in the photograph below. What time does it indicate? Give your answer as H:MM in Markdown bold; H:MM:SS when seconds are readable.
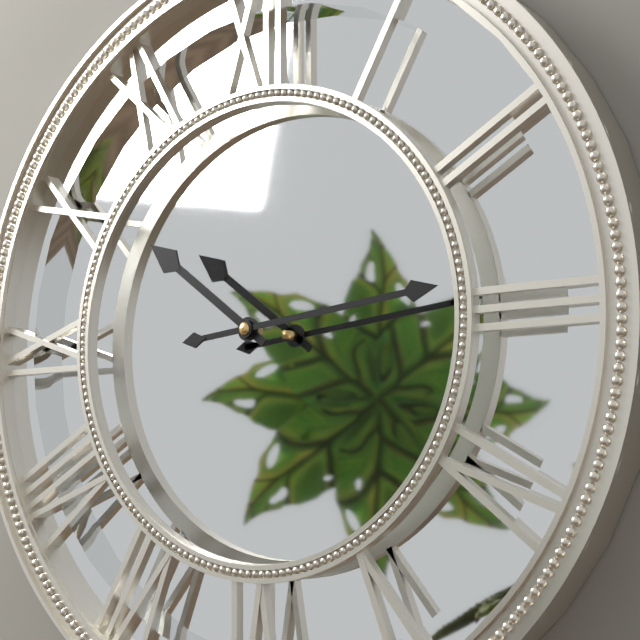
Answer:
**10:14**
